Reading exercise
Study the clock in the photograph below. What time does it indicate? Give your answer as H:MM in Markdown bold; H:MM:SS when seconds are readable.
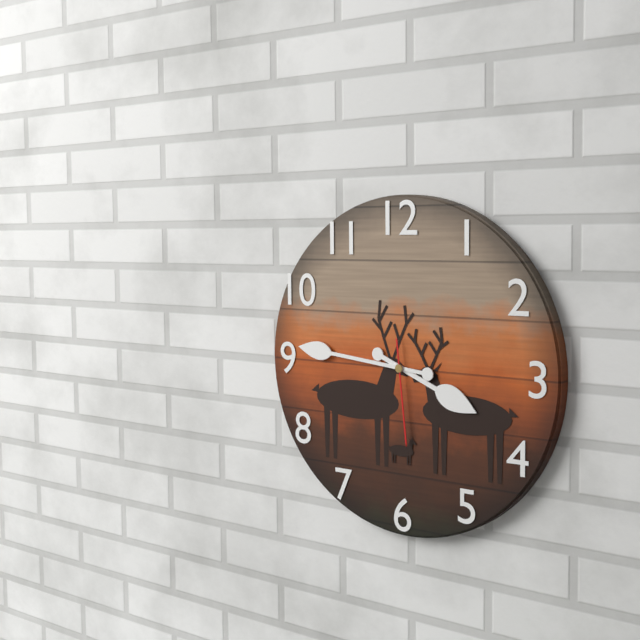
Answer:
**3:46:29**
